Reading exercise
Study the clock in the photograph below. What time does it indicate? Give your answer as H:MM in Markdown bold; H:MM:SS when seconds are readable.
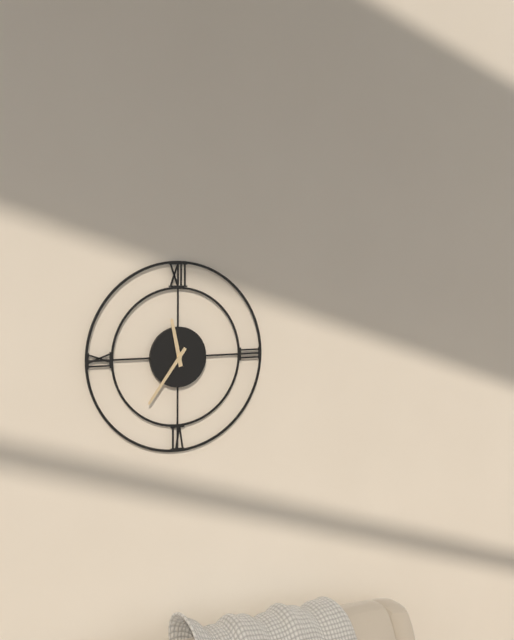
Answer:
**11:36**
